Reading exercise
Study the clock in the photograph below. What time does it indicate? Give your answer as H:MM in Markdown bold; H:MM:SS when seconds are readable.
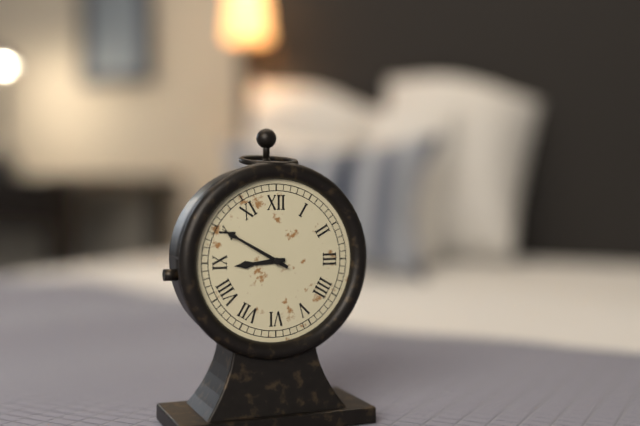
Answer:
**8:50**
